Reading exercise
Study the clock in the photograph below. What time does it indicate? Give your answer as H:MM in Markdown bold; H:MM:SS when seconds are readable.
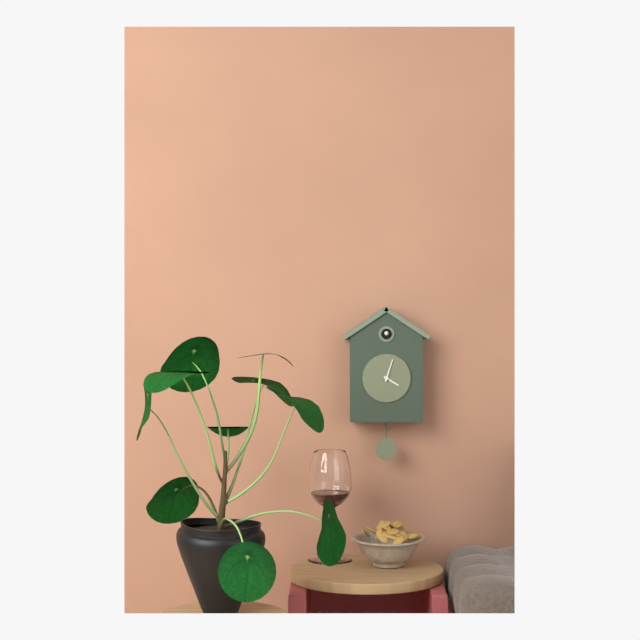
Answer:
**4:03**
